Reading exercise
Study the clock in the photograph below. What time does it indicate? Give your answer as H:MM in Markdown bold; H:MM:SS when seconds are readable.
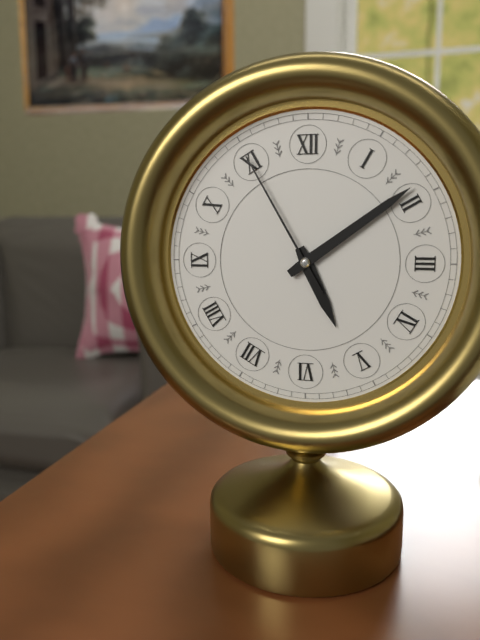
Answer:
**5:09:55**
